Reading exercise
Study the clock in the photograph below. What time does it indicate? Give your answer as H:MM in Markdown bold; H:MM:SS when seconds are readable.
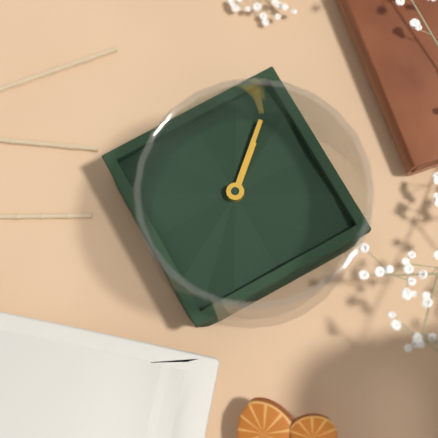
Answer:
**7:38**
